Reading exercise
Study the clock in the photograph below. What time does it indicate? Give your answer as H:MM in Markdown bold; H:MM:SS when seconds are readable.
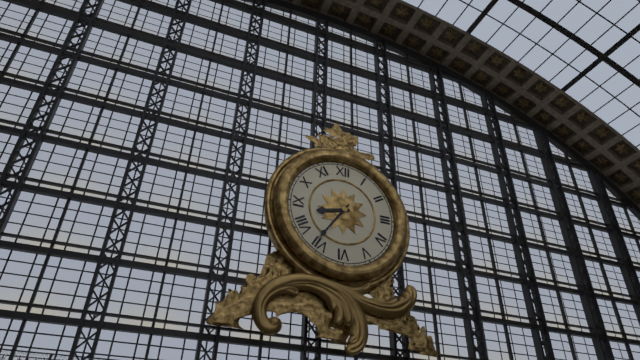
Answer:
**8:36**
